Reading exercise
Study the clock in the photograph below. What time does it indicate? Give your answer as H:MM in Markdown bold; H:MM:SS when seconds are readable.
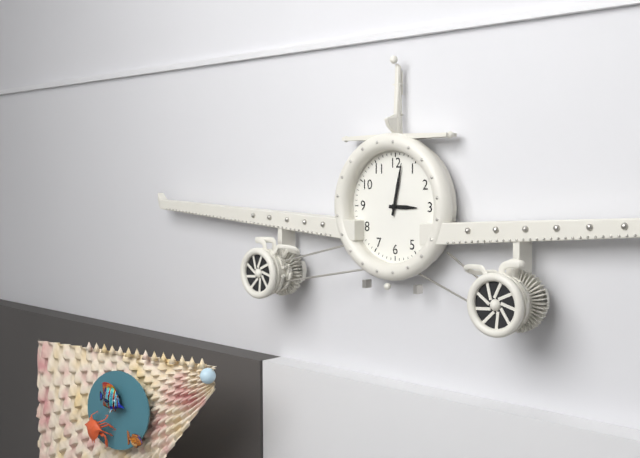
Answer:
**3:02**
